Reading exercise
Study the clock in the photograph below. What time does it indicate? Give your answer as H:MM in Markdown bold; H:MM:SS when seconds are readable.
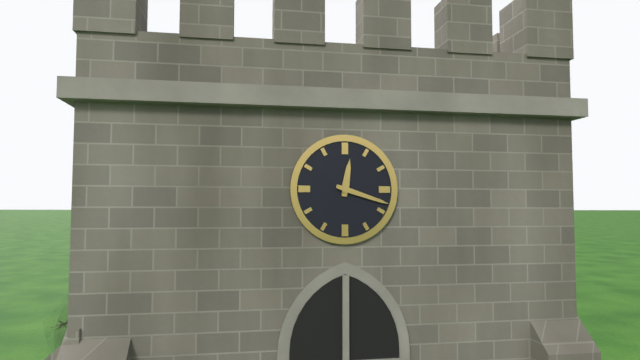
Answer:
**12:18**
